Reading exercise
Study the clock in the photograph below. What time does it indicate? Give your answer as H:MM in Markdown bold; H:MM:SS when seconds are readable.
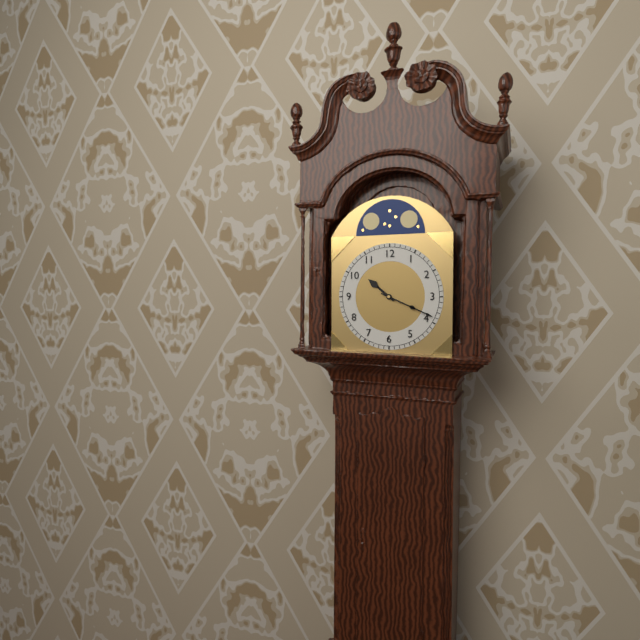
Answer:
**10:19**
